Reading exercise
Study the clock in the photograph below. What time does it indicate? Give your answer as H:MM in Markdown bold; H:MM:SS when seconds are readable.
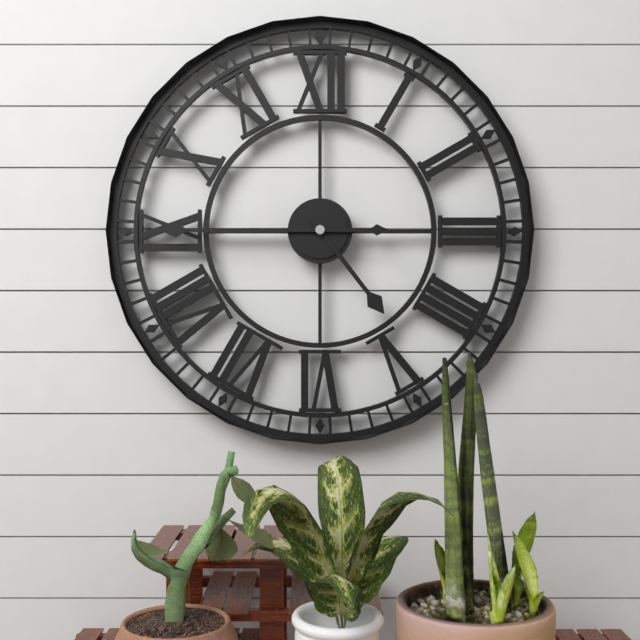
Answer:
**4:45**
